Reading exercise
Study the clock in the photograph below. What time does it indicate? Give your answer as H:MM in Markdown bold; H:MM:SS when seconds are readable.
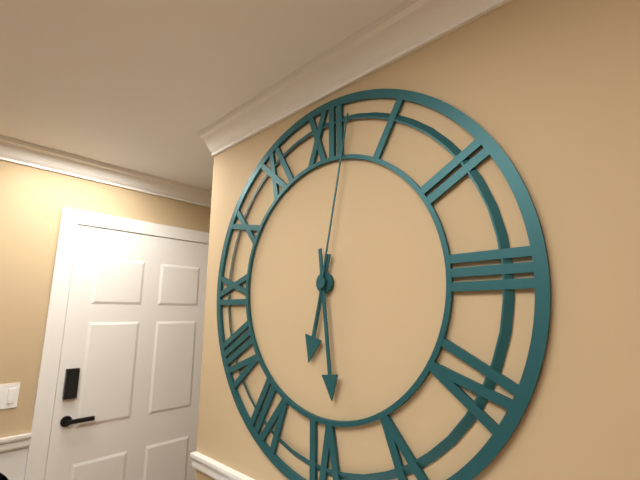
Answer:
**6:29:02**
